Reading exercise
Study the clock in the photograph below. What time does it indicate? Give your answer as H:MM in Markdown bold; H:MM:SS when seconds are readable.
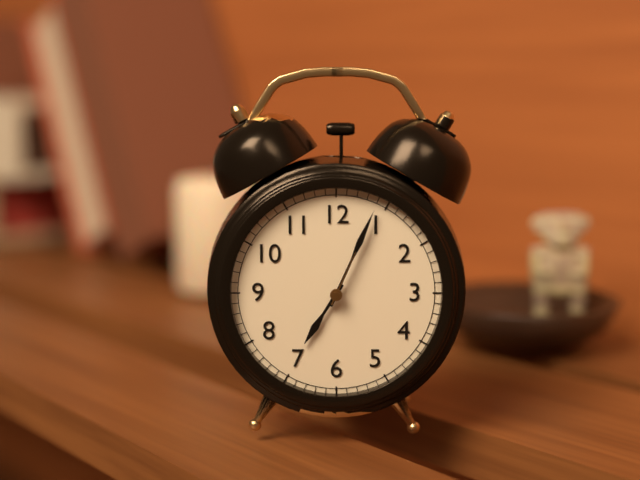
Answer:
**7:04:04**
